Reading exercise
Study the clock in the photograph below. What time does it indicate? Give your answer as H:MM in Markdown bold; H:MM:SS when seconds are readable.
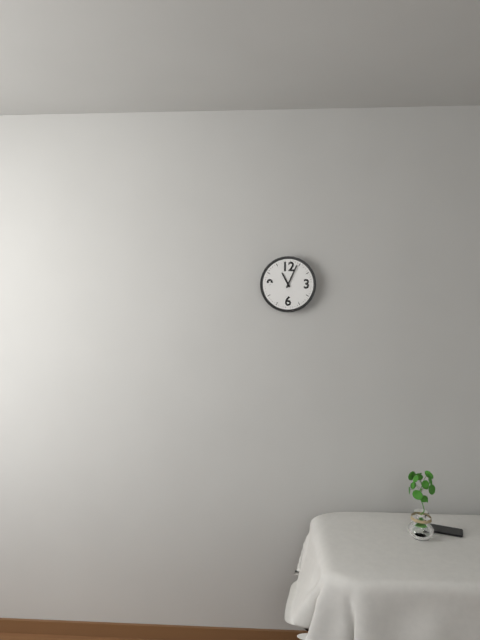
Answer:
**11:04**
